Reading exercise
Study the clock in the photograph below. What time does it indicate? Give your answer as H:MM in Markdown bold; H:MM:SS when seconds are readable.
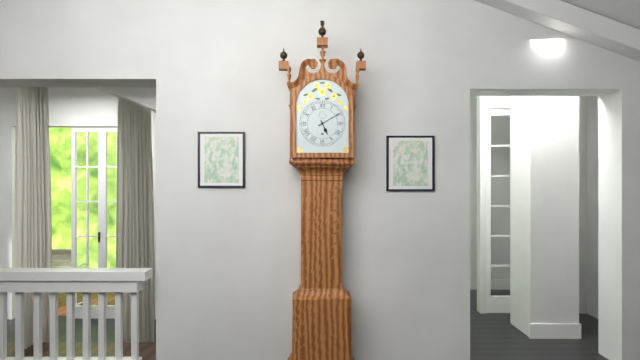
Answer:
**5:10**
